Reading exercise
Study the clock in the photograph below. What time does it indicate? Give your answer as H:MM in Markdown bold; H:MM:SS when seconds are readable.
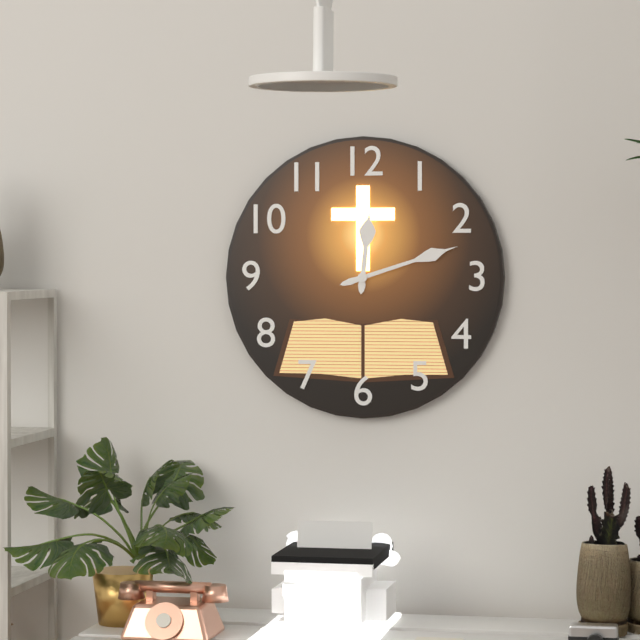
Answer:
**12:12**
